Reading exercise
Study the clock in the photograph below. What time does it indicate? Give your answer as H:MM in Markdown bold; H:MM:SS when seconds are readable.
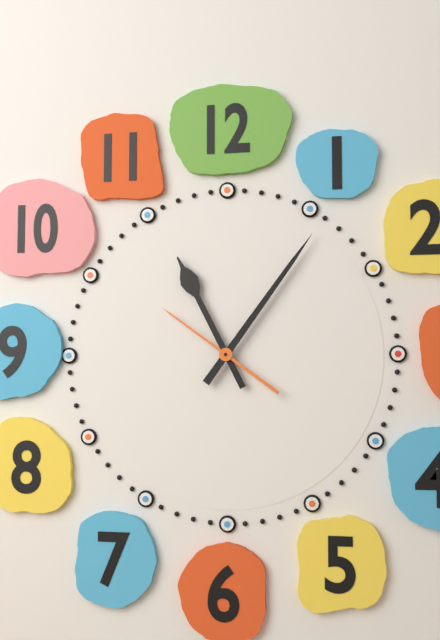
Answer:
**11:06:51**
